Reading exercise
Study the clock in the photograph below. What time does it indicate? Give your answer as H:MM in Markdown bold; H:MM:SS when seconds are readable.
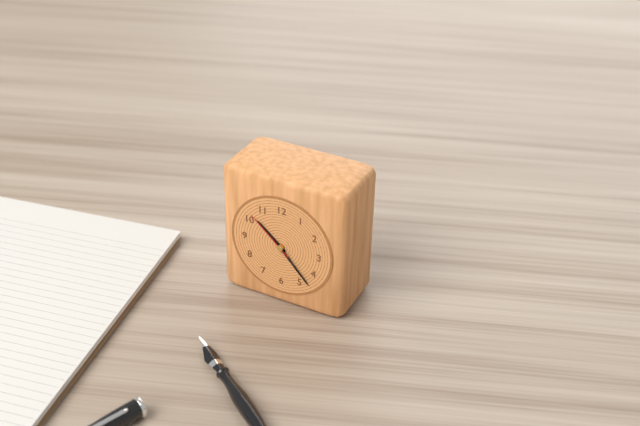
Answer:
**10:23:52**
